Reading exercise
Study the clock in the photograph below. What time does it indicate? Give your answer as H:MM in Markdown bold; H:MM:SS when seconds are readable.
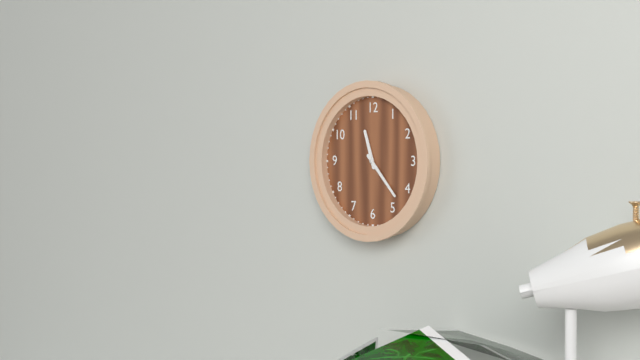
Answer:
**11:23**
